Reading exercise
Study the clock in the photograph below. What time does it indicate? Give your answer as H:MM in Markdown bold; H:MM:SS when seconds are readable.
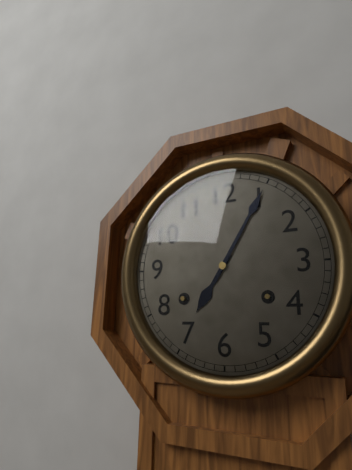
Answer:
**7:05**
